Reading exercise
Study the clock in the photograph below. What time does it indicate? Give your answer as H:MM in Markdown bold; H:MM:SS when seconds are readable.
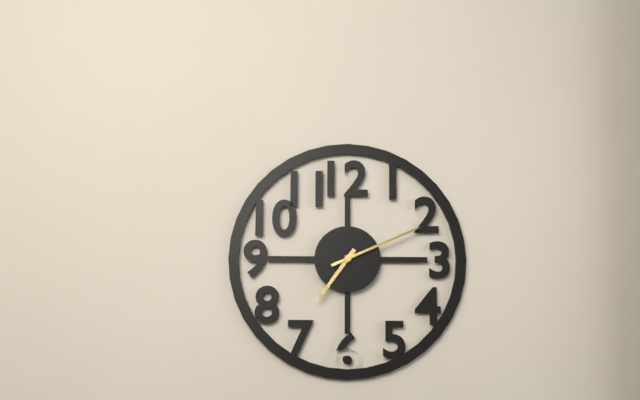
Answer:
**7:11**
